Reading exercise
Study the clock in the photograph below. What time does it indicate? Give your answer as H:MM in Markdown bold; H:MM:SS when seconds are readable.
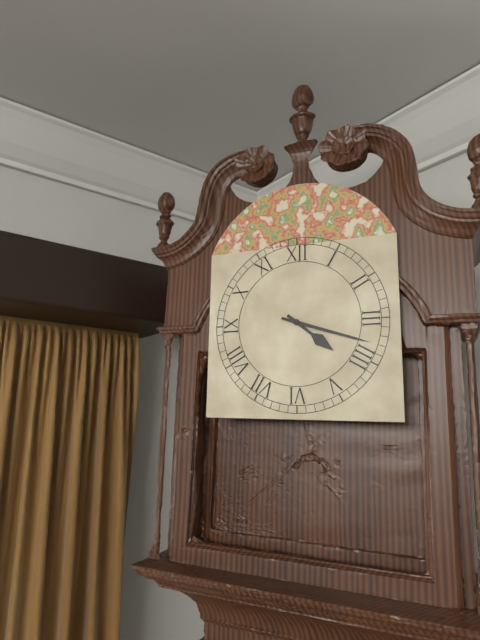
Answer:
**4:18**
